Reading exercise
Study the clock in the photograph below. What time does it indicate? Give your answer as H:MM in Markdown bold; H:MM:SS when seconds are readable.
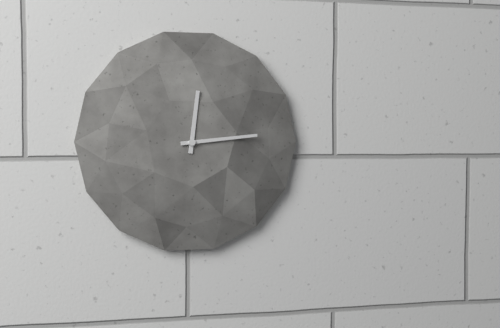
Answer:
**12:14**
